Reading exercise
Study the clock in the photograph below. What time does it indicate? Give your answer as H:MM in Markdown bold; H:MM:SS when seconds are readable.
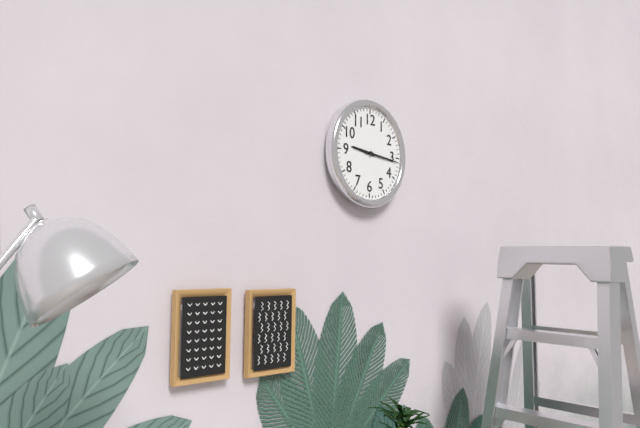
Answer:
**9:16**
